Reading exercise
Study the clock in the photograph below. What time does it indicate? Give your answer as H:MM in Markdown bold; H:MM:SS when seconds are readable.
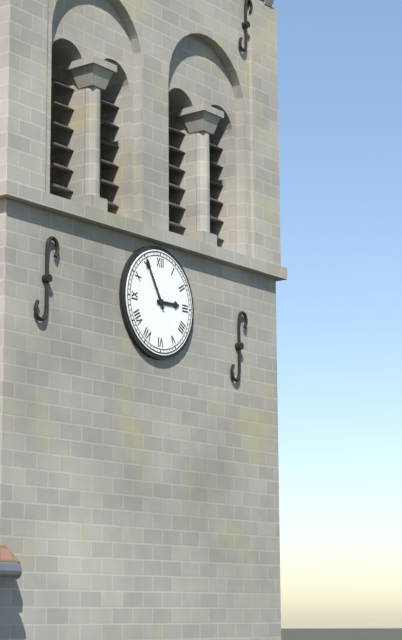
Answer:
**2:55**
